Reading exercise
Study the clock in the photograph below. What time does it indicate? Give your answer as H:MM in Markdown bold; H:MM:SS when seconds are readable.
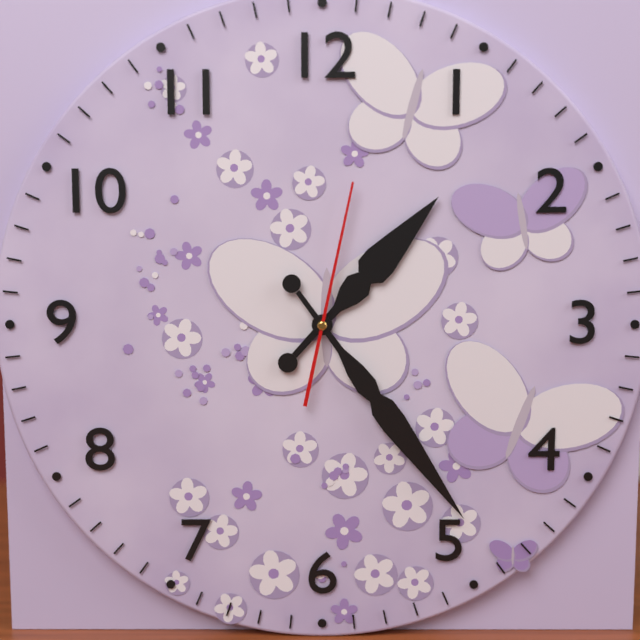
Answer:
**1:24:02**
